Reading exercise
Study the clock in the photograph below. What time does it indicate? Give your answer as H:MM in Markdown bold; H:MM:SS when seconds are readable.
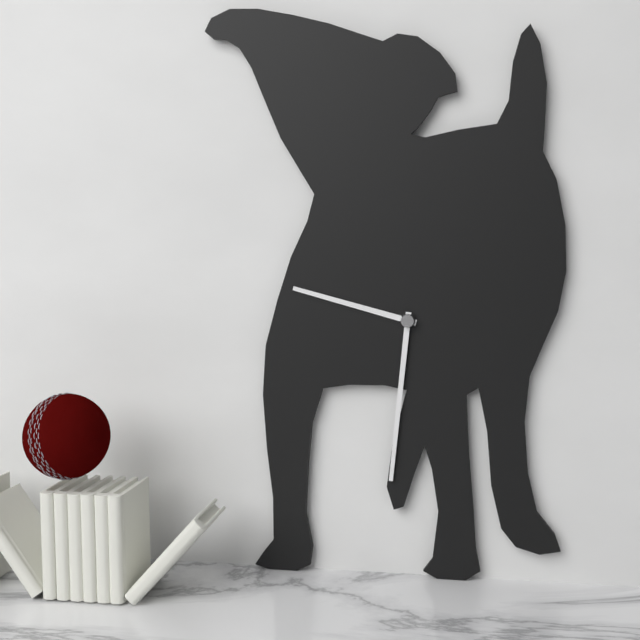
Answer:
**9:31**
